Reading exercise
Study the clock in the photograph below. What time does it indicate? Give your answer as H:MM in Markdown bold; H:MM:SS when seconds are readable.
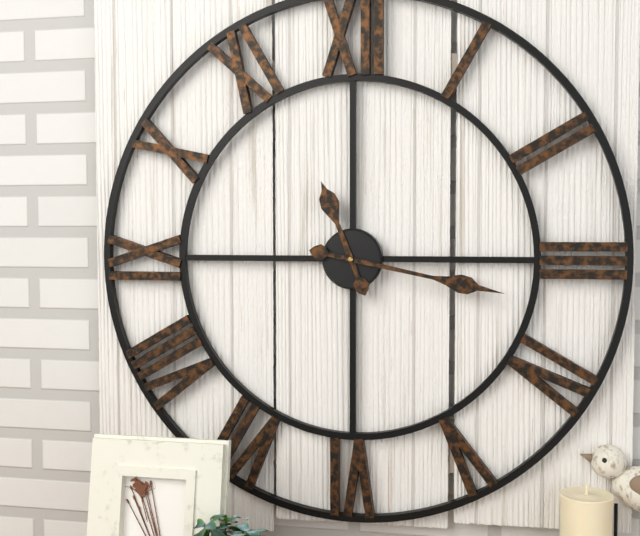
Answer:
**11:17**
